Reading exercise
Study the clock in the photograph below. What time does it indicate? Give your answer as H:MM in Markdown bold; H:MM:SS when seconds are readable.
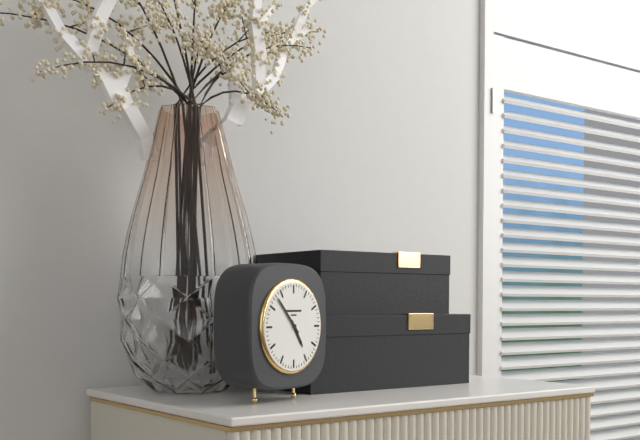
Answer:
**4:53**
